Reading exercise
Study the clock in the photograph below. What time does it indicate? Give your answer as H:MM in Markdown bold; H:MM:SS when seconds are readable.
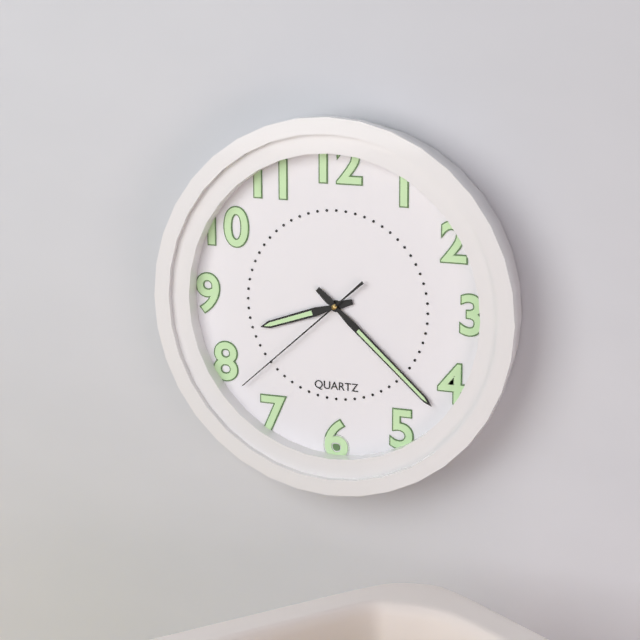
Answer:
**8:22:38**
